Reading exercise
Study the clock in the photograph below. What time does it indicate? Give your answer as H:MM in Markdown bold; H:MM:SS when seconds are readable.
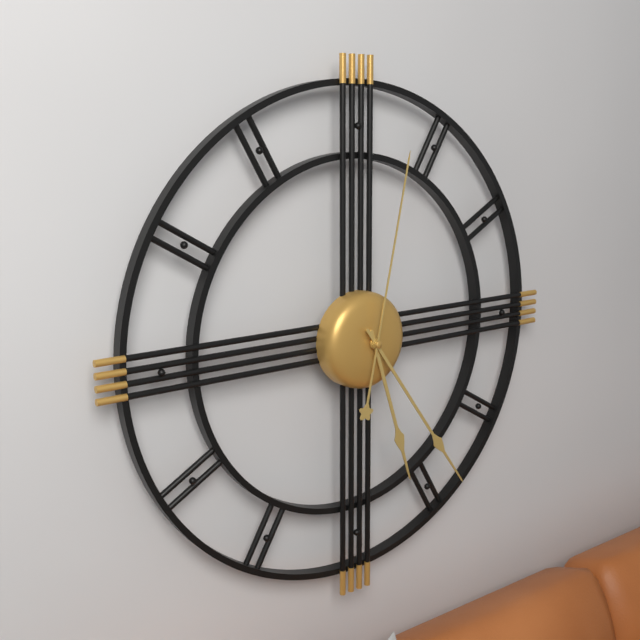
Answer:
**5:24:02**
